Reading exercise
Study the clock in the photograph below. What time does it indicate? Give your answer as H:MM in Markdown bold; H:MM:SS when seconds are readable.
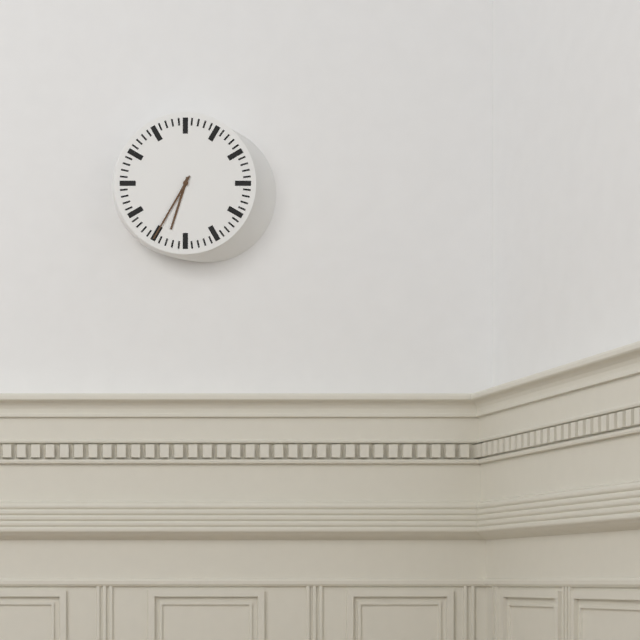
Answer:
**6:35**
